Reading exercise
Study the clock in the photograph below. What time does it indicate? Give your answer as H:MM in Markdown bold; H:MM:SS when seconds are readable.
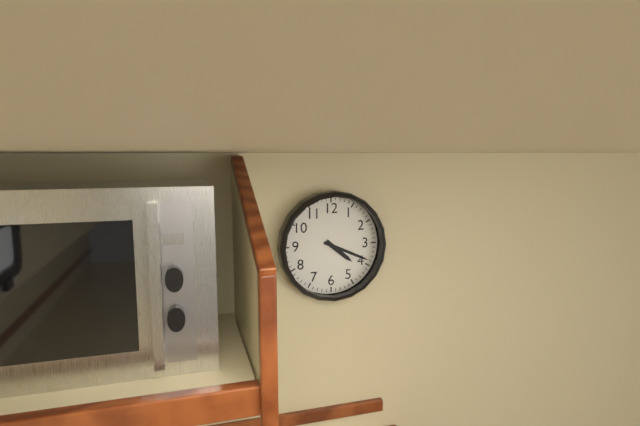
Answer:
**4:19**
